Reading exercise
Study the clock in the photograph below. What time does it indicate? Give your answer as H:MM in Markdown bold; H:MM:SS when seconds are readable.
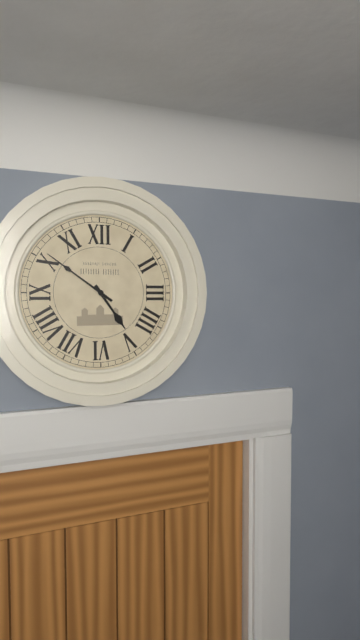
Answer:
**4:51**
